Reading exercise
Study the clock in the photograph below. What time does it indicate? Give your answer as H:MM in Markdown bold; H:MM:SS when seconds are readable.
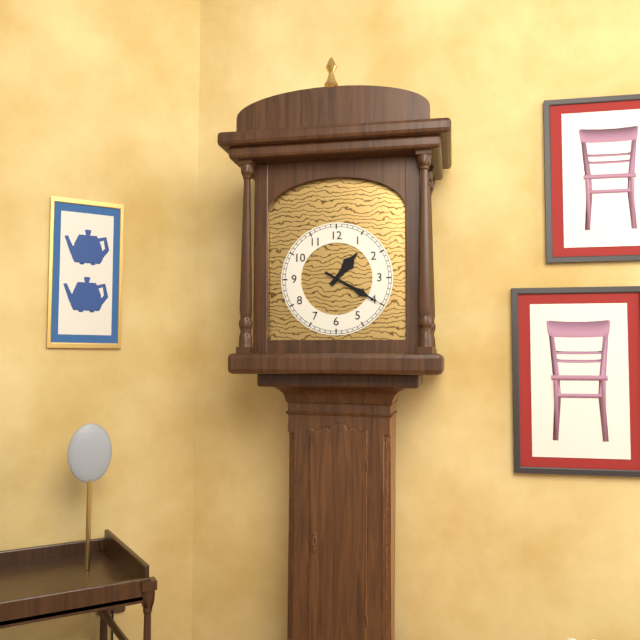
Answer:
**1:20**
